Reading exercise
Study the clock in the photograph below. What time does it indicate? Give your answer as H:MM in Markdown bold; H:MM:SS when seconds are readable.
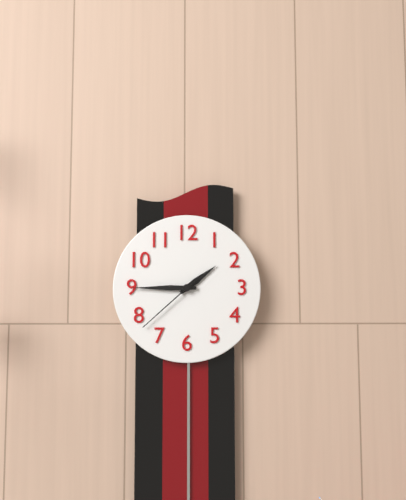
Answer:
**1:45:38**
